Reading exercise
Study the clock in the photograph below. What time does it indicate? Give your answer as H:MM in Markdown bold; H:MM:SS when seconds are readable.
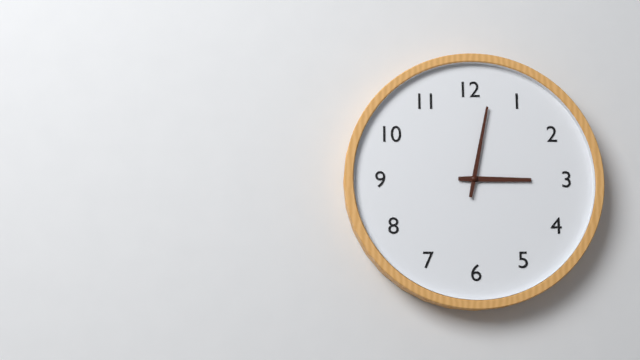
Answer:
**3:02**
